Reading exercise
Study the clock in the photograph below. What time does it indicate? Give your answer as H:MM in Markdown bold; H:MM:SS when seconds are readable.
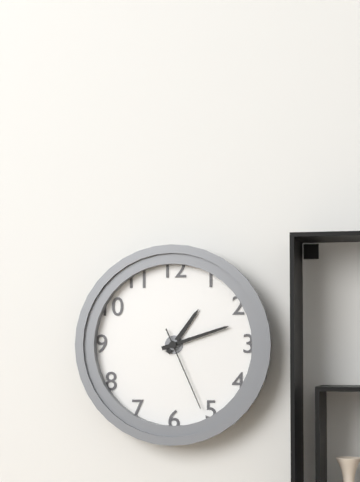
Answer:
**1:12:26**
